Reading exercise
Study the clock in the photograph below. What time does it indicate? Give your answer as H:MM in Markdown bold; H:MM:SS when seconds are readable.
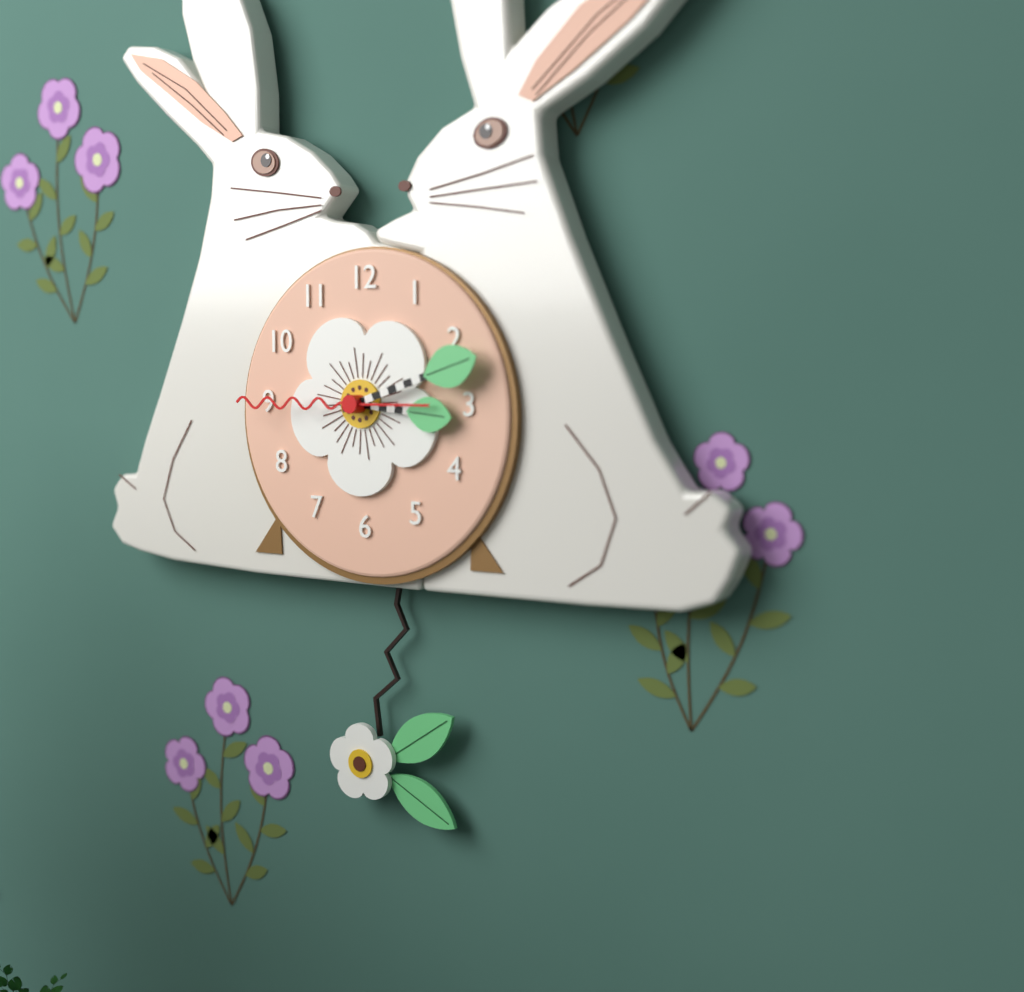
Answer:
**3:12:45**
